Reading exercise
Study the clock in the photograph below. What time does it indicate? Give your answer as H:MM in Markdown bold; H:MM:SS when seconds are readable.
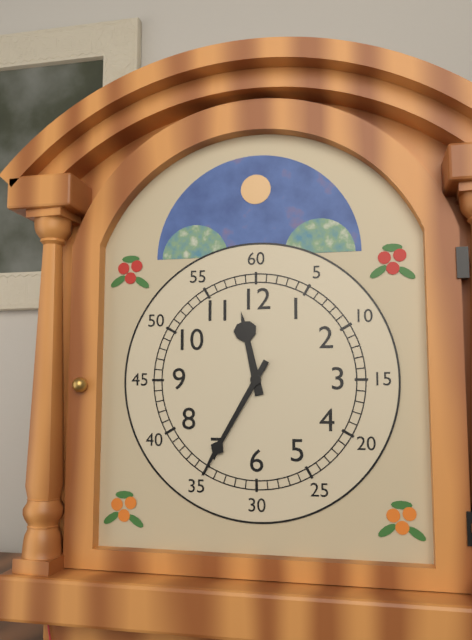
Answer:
**11:35**
